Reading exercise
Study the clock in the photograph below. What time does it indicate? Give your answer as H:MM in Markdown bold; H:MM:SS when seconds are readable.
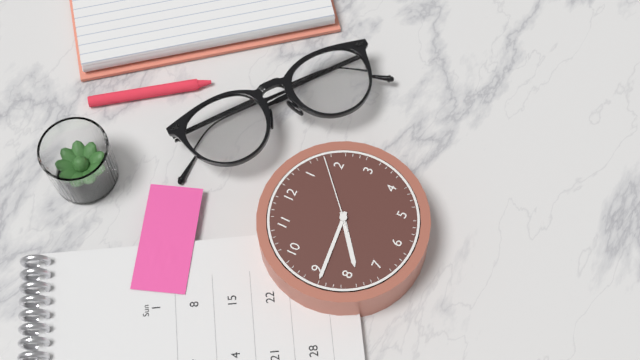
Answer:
**7:44:08**
